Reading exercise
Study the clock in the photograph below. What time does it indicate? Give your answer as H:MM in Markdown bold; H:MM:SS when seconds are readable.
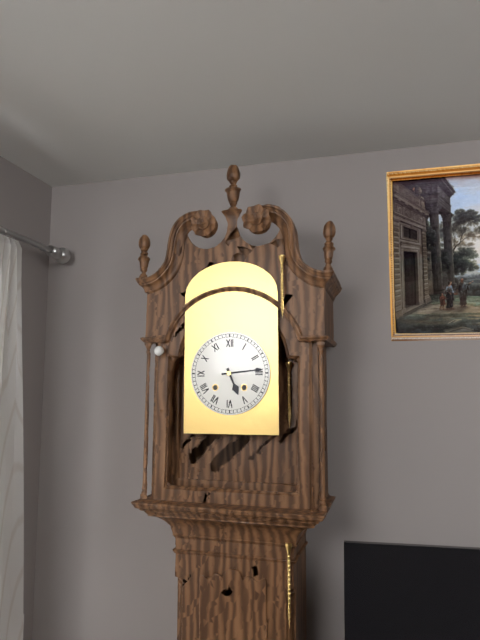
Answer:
**5:14**
